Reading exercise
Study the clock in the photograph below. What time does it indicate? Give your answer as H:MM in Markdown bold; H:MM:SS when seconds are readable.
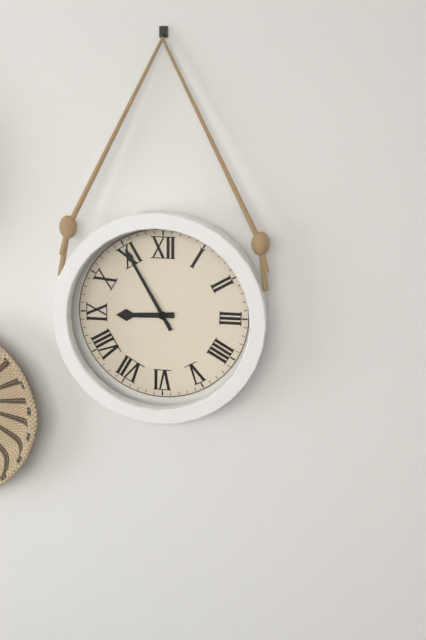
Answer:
**8:55**
